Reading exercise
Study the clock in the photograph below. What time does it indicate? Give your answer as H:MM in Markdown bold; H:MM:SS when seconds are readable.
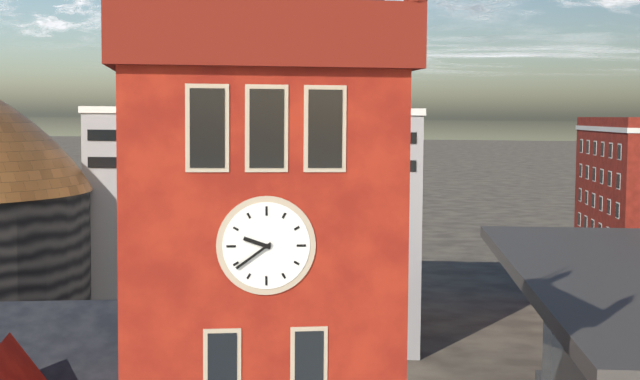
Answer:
**9:39**
